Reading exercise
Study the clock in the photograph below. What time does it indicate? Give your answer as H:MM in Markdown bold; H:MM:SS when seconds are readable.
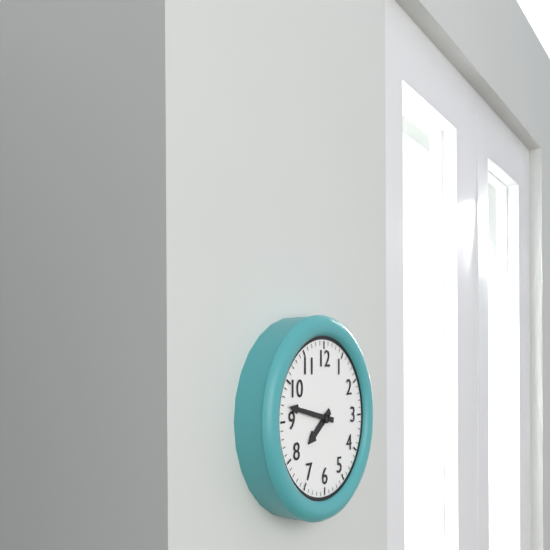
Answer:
**7:47**
